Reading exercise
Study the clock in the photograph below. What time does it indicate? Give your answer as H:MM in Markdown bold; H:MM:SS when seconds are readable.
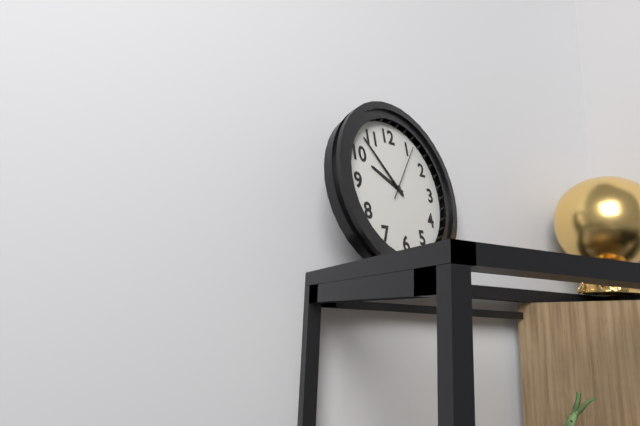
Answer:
**9:53:06**
